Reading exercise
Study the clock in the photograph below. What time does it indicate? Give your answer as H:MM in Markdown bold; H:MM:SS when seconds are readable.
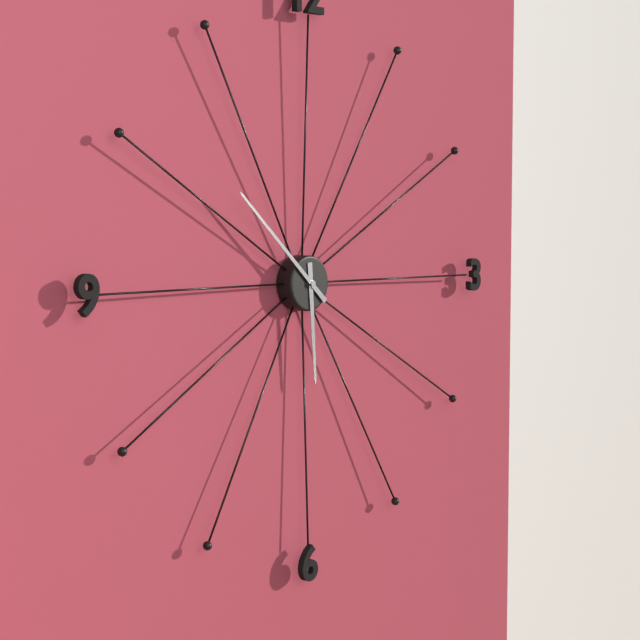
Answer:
**5:52**
